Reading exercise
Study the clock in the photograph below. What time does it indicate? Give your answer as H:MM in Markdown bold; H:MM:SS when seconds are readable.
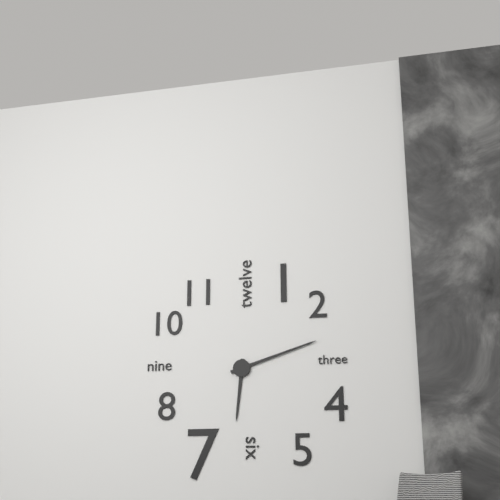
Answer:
**6:12**
